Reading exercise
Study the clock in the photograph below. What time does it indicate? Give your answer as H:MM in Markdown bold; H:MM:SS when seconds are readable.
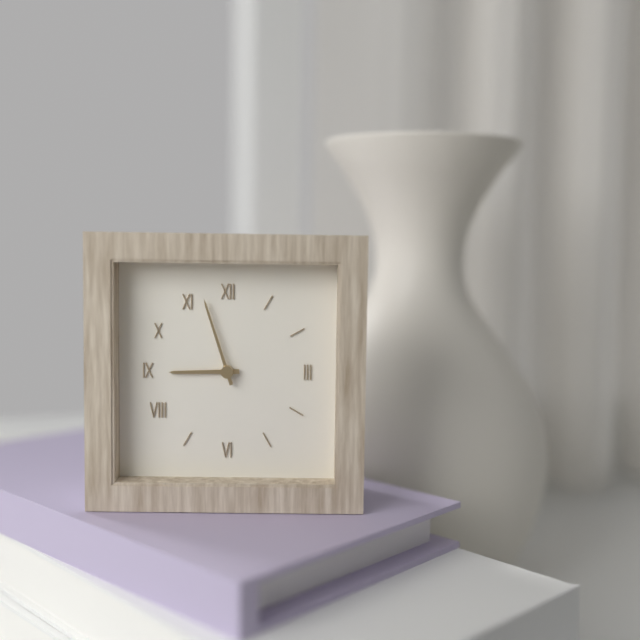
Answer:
**8:57**
